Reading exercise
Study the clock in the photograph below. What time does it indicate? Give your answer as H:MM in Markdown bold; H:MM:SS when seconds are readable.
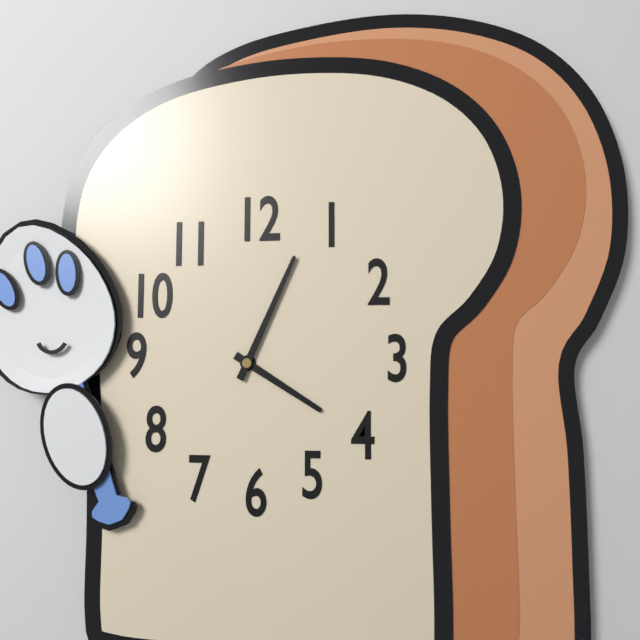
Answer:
**4:04**
